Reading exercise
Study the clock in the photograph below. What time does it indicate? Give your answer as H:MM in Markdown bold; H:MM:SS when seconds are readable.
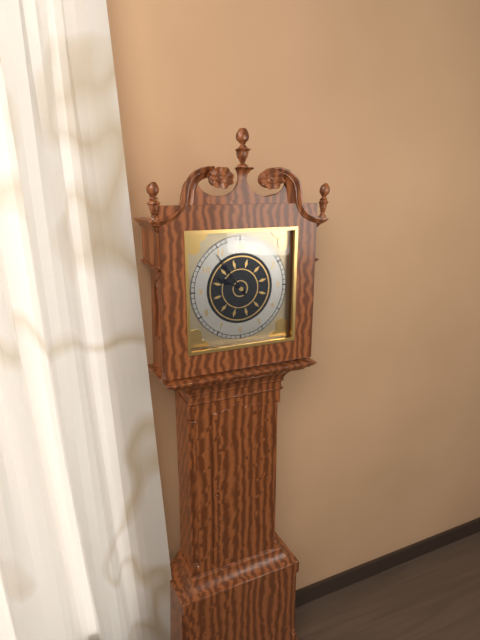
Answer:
**9:54**
